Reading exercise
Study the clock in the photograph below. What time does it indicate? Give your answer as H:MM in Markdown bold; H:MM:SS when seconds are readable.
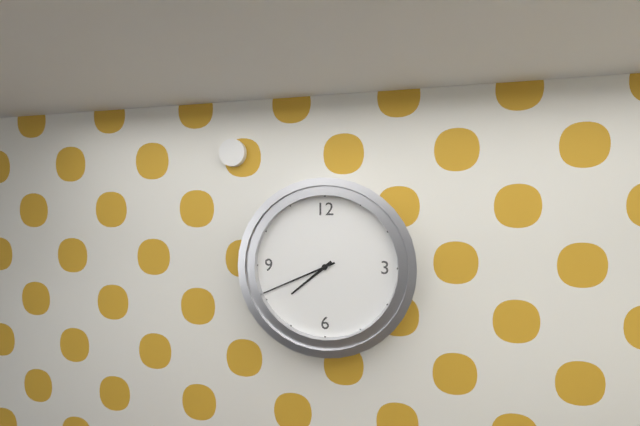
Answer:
**7:41**
